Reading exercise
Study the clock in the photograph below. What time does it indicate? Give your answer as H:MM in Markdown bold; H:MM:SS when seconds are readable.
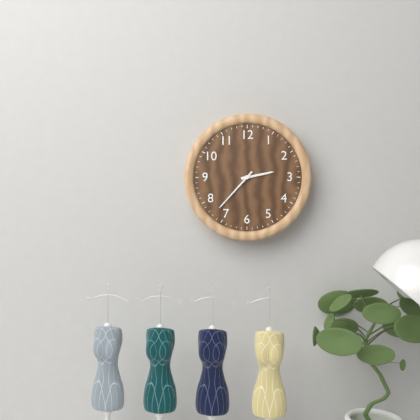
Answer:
**2:37**
